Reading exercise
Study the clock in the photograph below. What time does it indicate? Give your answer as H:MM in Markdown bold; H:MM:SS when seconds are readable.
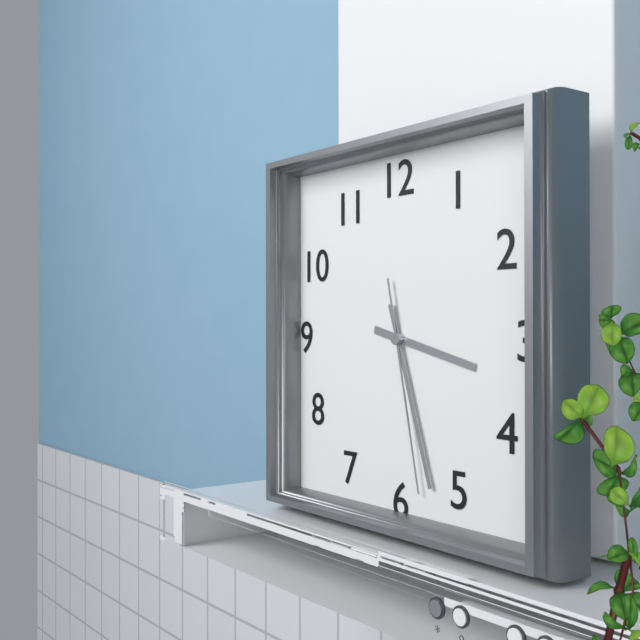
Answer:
**3:27:28**
